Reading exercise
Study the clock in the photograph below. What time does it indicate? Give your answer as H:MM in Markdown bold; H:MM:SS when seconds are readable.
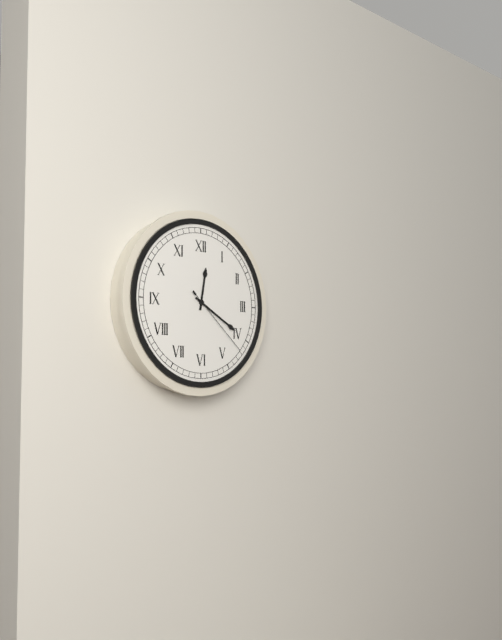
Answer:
**12:20:22**
